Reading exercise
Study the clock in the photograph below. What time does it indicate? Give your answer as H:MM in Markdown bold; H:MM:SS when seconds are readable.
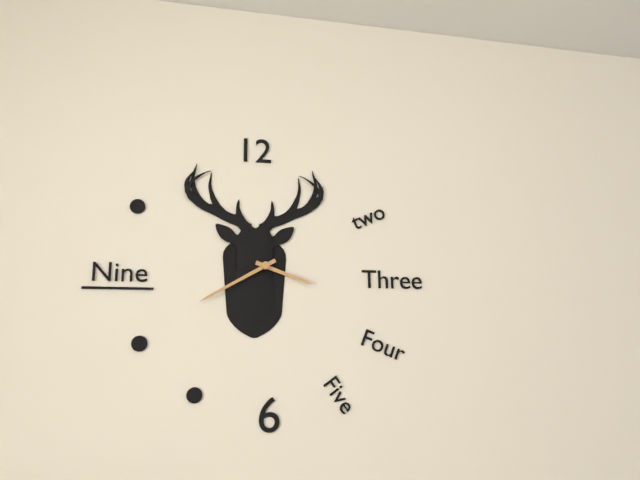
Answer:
**3:40**
